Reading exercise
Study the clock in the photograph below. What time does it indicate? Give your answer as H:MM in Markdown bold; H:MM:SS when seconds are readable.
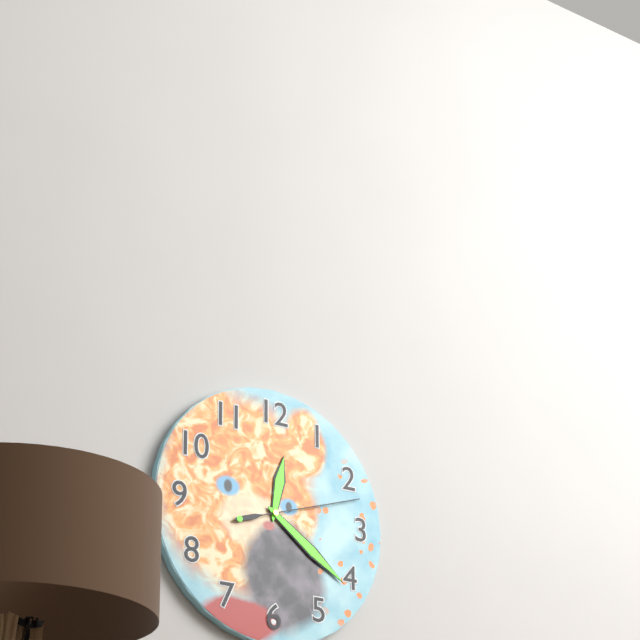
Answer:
**12:21:12**
